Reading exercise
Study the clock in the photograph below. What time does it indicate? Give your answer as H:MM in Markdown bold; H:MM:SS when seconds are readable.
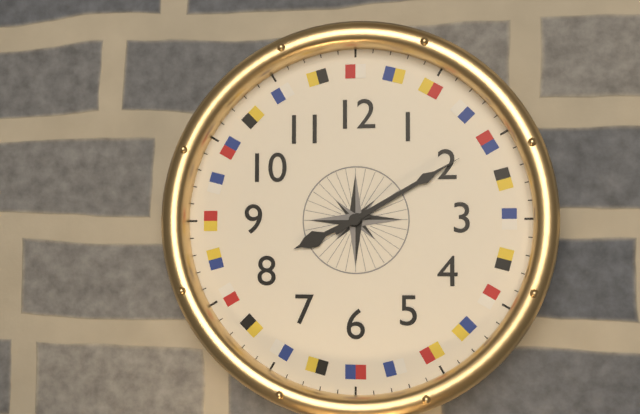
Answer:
**8:10**
